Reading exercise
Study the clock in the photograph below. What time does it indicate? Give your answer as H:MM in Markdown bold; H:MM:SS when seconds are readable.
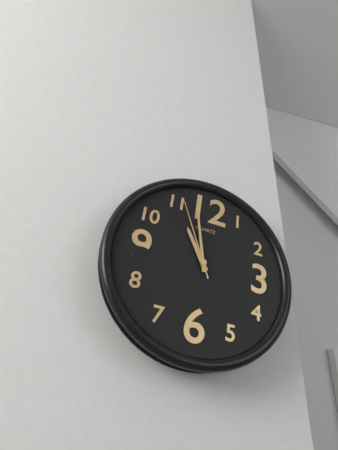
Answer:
**10:58:56**
